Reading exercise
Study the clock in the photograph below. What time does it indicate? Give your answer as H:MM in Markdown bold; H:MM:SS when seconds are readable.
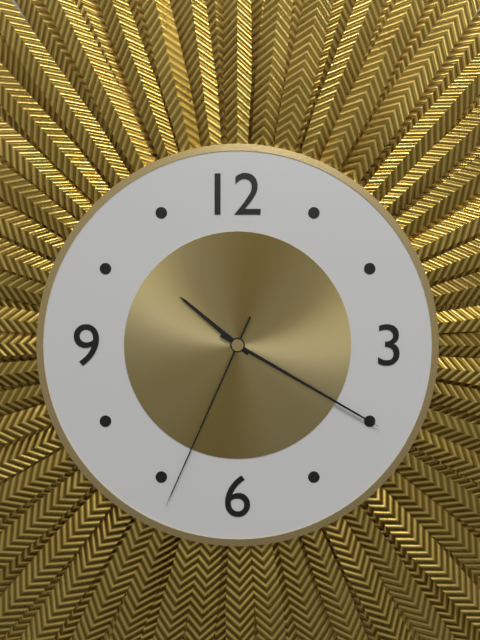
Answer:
**10:20:34**
